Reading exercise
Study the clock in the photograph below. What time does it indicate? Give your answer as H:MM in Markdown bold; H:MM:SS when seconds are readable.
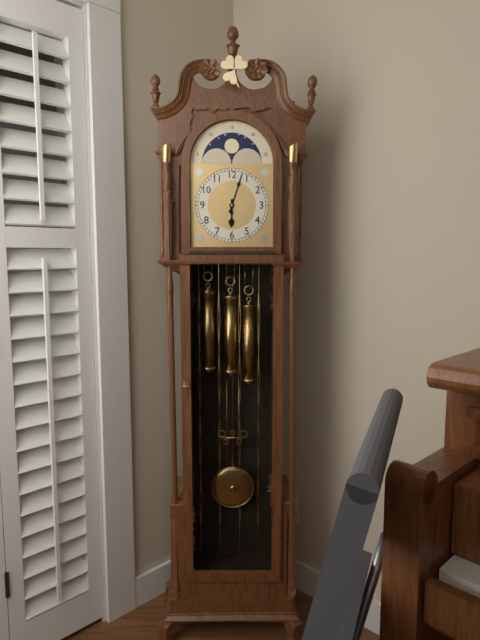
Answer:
**6:03**
